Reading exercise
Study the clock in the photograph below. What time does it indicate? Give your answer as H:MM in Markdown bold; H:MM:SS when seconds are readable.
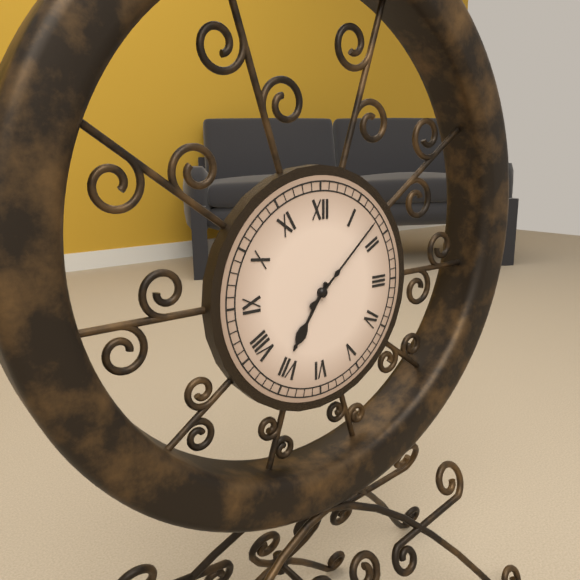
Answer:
**7:08**
